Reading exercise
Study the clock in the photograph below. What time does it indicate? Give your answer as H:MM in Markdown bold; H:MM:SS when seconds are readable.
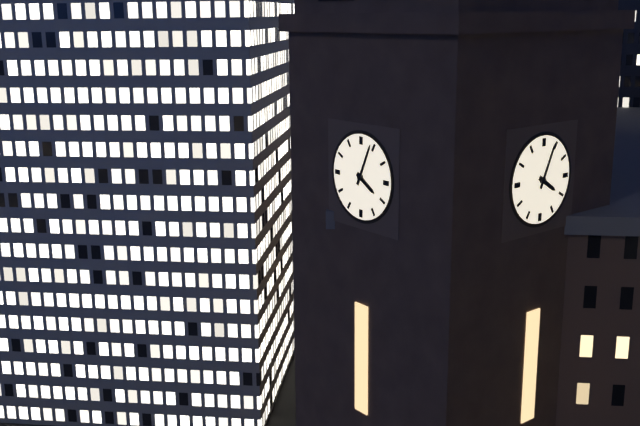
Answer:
**4:04**
